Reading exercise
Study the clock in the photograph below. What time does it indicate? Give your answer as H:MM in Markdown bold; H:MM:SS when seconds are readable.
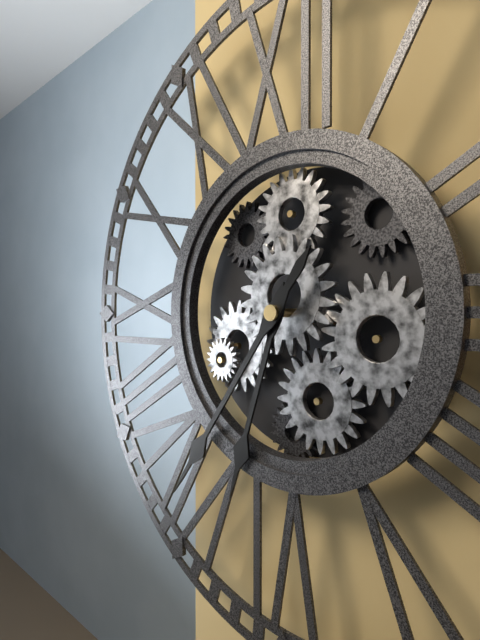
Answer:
**6:36**
